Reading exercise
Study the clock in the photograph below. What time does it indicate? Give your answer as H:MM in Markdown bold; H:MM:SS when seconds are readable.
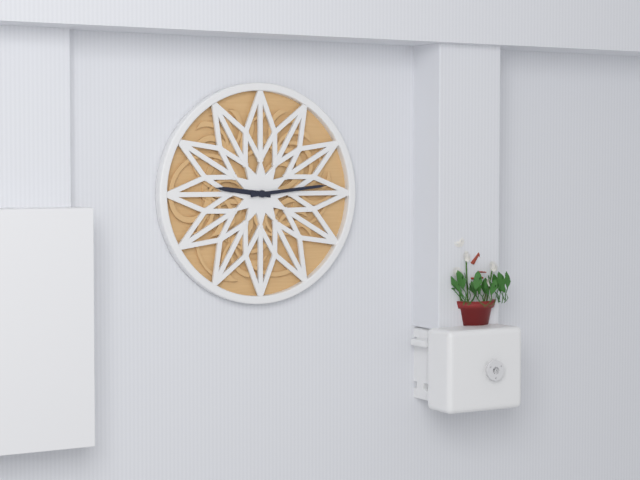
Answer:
**9:14**
